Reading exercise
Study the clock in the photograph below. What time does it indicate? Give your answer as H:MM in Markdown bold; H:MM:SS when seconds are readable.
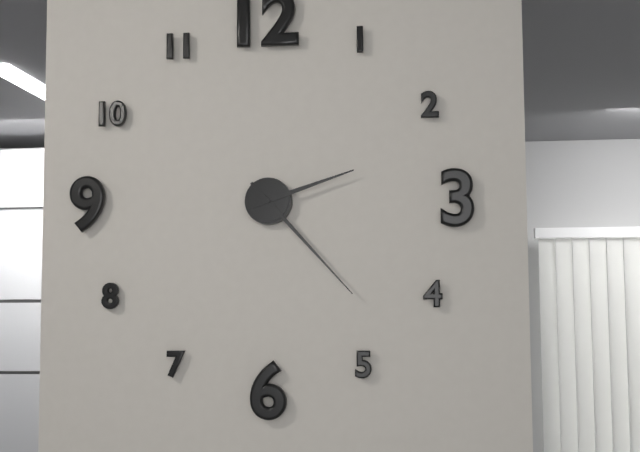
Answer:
**2:23**
